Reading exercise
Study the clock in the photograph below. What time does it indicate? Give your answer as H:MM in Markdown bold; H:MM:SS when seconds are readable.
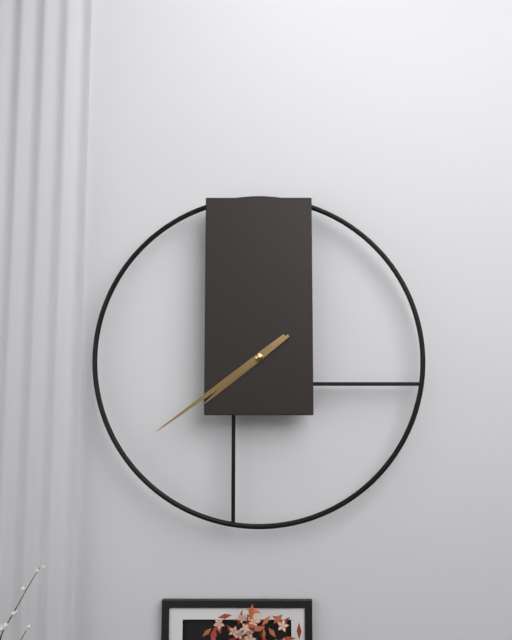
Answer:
**7:39**
